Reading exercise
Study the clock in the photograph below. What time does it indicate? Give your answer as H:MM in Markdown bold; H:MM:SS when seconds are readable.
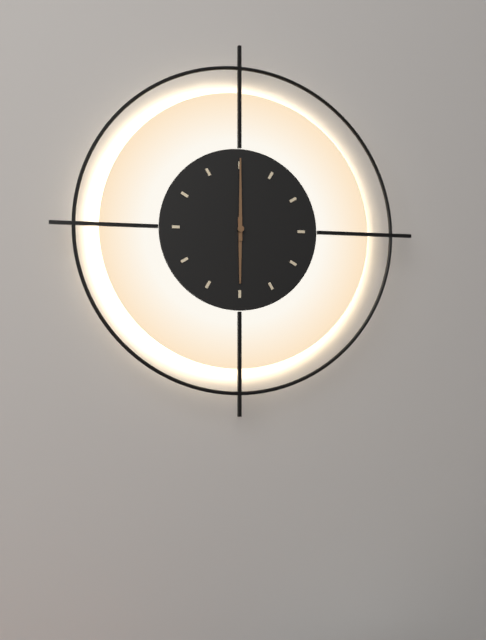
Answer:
**6:00**
